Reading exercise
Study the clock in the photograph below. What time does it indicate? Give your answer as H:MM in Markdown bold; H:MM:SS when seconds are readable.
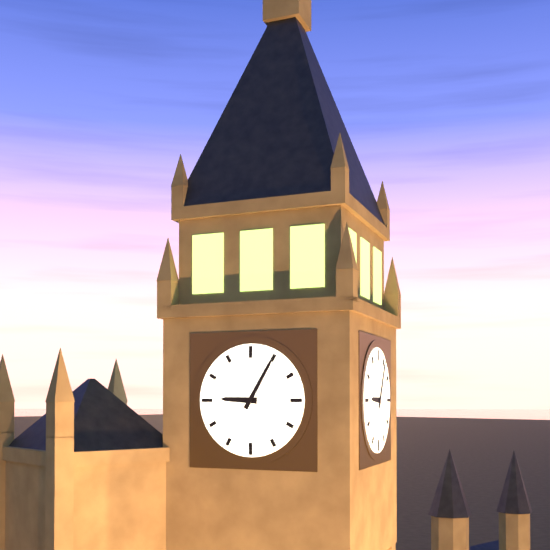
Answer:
**9:05**
